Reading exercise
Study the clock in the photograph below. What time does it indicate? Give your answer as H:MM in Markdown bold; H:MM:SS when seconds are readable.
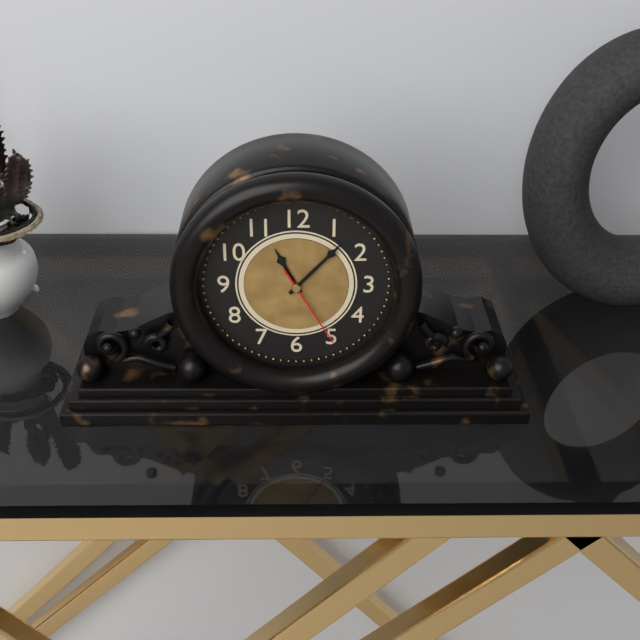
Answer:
**11:07:25**
